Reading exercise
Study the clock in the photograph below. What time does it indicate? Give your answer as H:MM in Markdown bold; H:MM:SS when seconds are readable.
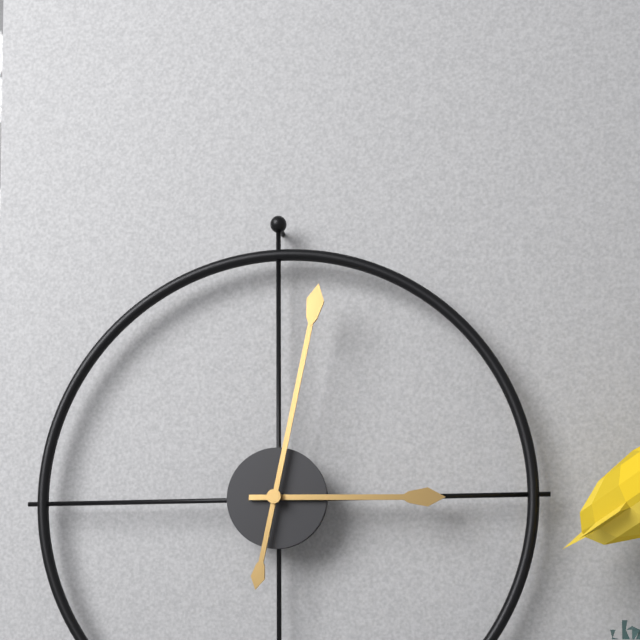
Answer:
**3:02**
